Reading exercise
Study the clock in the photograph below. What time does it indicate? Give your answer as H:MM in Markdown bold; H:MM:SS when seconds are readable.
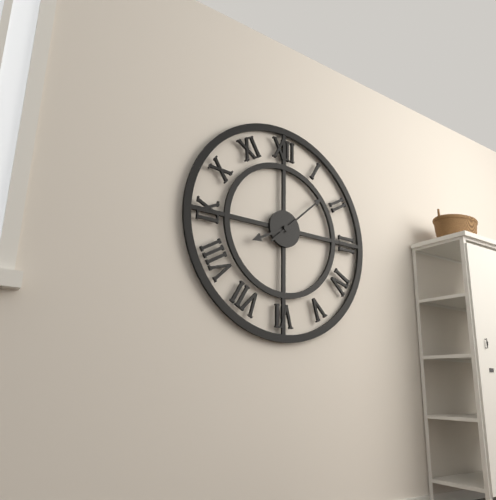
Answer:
**8:08**
